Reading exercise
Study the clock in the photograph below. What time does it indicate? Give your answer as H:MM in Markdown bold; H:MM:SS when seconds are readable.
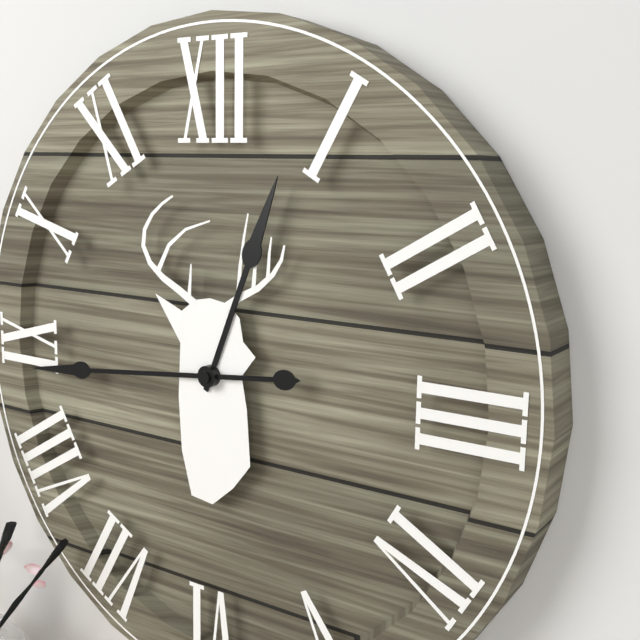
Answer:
**12:44**
